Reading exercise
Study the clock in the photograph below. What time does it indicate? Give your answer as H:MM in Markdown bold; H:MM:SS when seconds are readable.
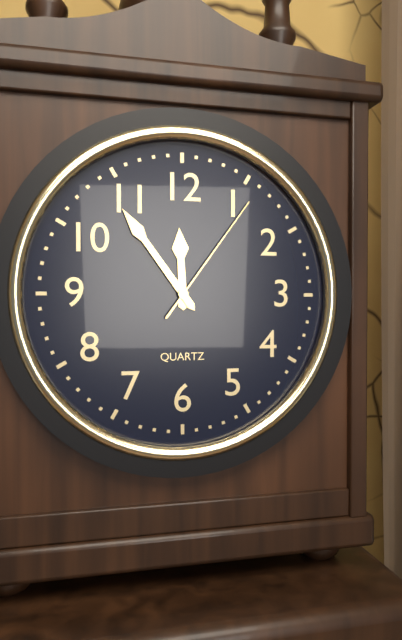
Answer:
**11:54:06**
